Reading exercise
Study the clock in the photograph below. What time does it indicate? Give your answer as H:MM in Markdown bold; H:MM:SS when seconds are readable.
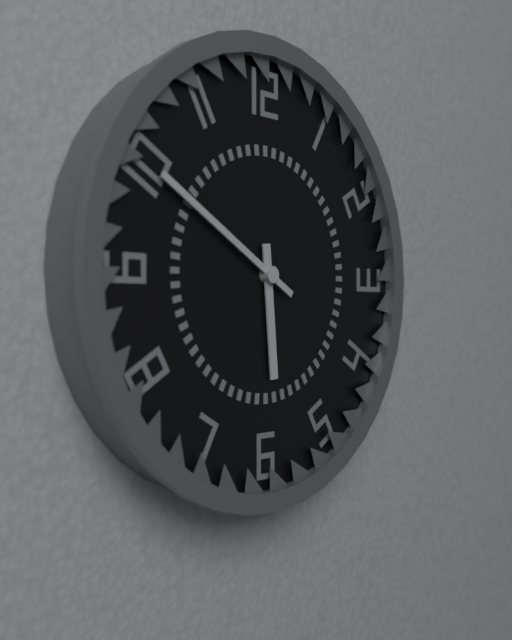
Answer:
**5:50**
